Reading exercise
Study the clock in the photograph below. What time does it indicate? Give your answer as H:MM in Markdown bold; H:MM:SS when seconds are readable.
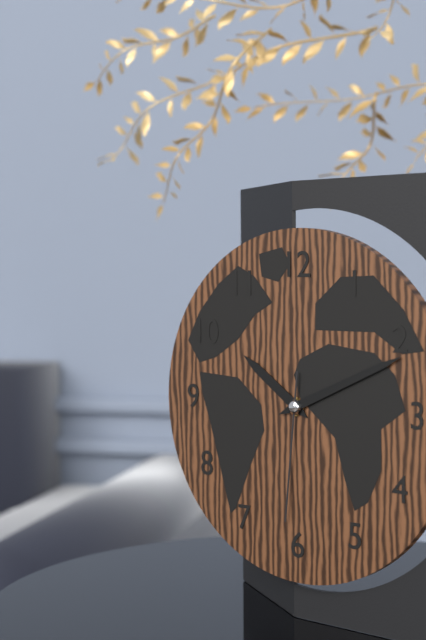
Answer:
**10:11:31**
